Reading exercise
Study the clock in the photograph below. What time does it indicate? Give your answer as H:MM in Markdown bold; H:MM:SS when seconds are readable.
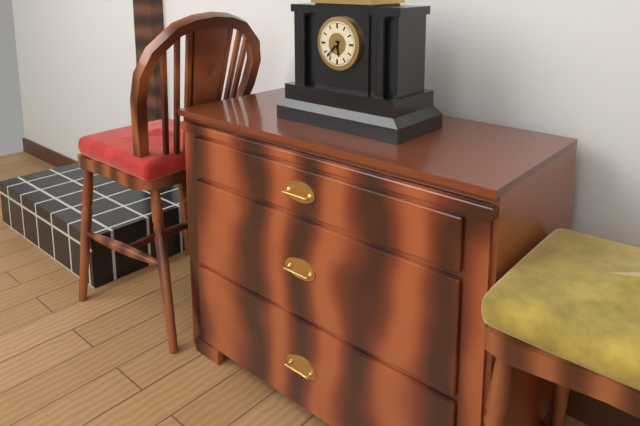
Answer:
**5:37**
